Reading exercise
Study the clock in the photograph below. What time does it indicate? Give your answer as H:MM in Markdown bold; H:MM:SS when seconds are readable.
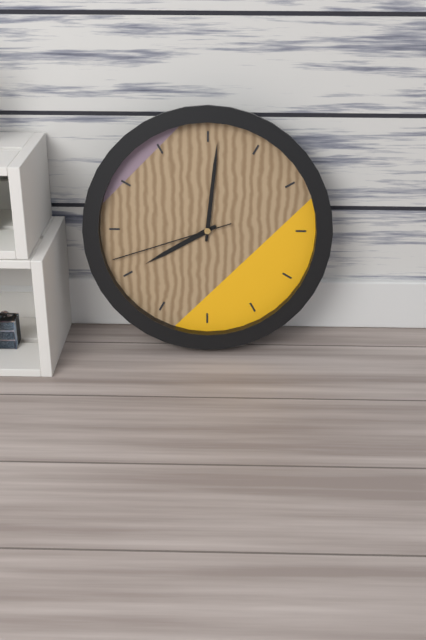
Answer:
**8:01:42**
